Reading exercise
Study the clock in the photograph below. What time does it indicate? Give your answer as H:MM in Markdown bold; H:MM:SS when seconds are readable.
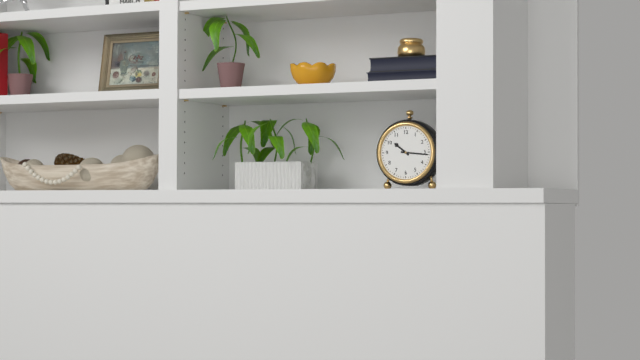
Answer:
**10:16**
